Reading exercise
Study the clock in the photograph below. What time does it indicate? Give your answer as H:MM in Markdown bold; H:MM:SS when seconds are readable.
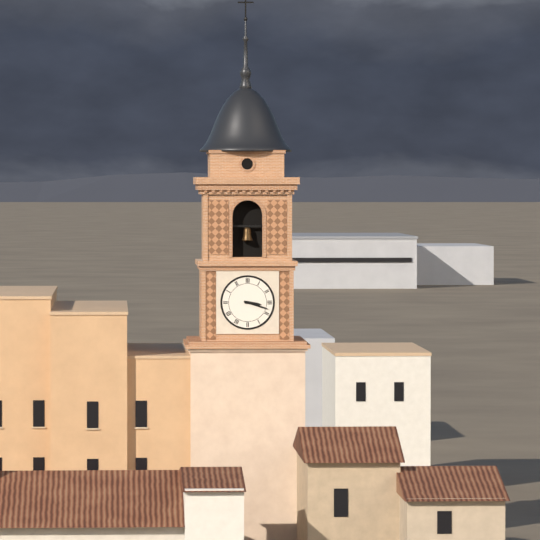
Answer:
**3:18**
